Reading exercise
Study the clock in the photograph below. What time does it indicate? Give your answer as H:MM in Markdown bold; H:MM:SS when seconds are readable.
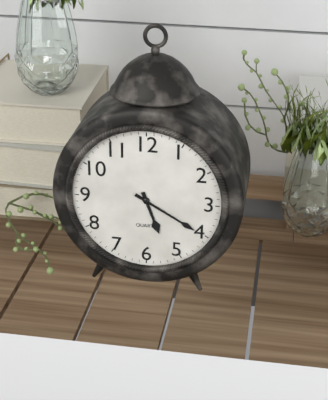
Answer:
**5:20**
